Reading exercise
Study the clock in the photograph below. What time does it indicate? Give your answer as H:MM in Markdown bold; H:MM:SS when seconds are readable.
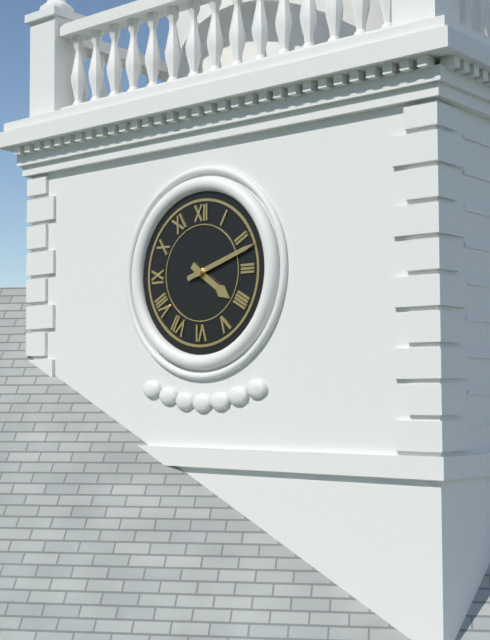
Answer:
**4:12**
